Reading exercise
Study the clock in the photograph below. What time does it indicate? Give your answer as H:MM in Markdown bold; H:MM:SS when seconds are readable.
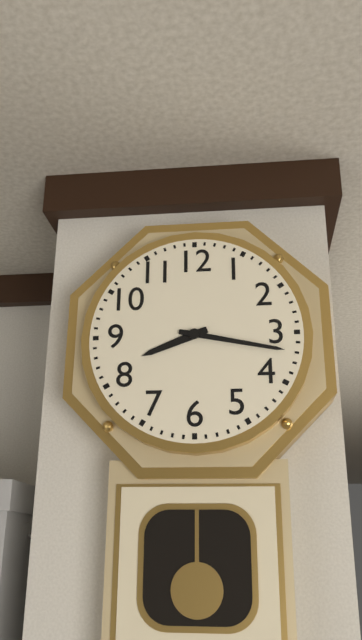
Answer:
**8:17**
